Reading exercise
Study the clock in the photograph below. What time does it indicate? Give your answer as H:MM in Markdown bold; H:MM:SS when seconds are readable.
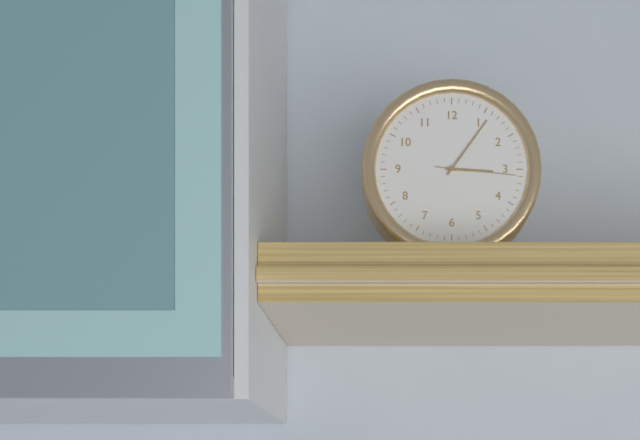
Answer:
**3:06:16**
